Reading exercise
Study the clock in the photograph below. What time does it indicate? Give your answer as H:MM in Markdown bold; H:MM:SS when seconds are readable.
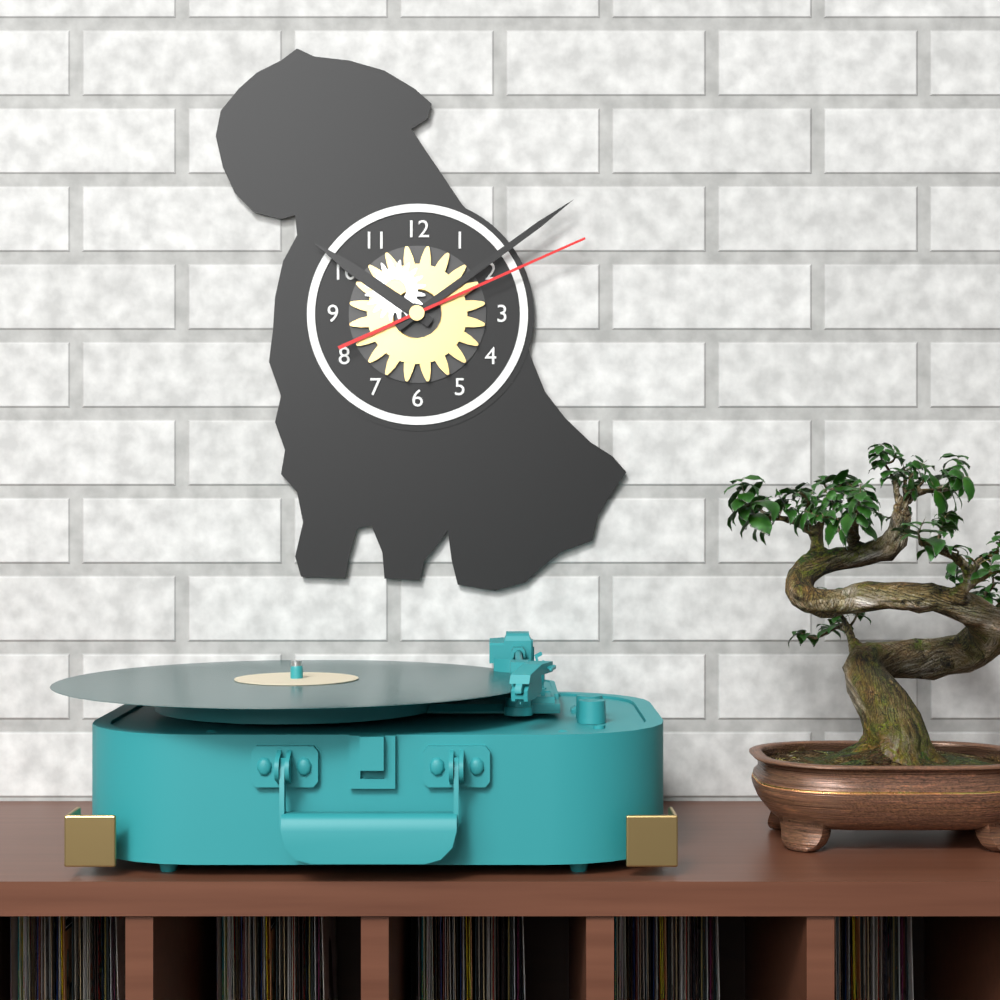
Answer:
**10:09:11**
